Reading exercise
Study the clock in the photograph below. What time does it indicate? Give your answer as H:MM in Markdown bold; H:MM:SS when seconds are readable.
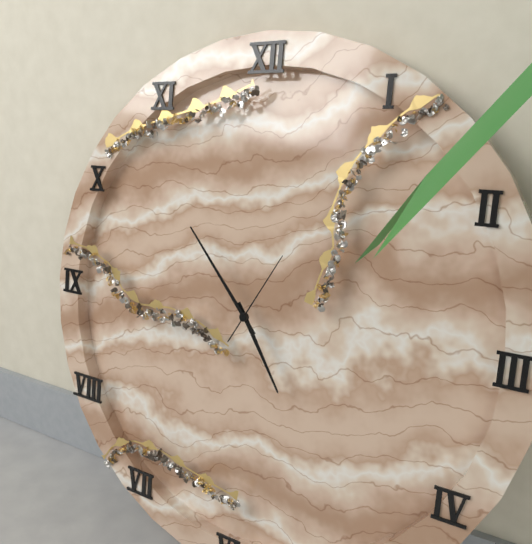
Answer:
**4:53:05**
